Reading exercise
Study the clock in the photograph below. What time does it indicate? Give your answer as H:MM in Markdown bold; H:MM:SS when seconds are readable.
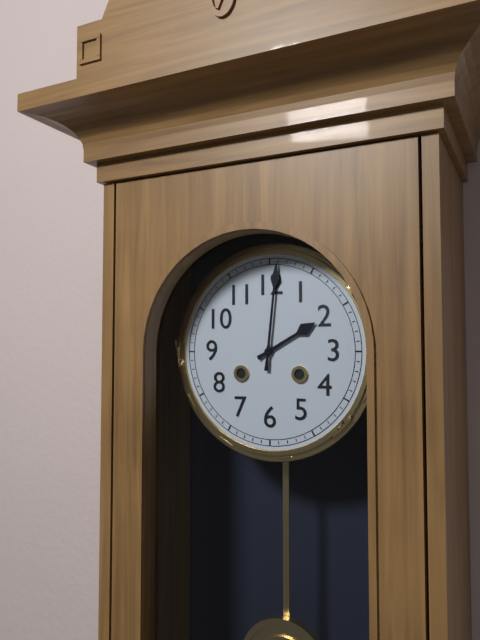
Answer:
**2:01**
